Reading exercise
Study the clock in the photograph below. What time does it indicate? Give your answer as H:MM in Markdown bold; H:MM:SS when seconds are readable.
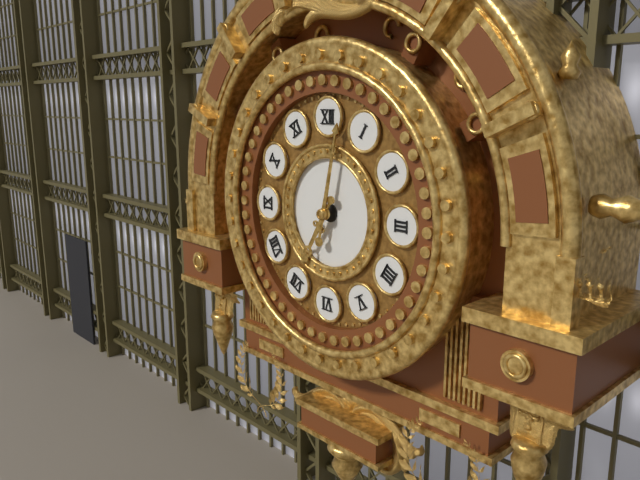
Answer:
**7:02**
